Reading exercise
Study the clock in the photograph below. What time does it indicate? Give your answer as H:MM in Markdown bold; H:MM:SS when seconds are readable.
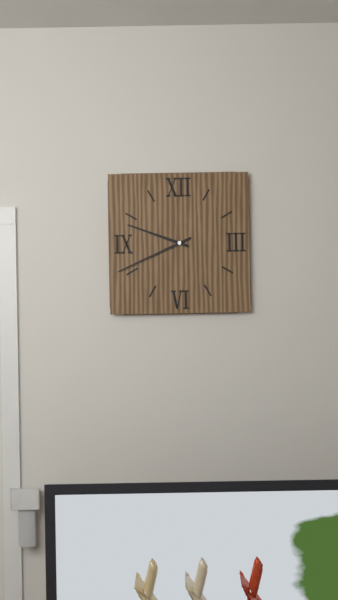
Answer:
**9:41**
